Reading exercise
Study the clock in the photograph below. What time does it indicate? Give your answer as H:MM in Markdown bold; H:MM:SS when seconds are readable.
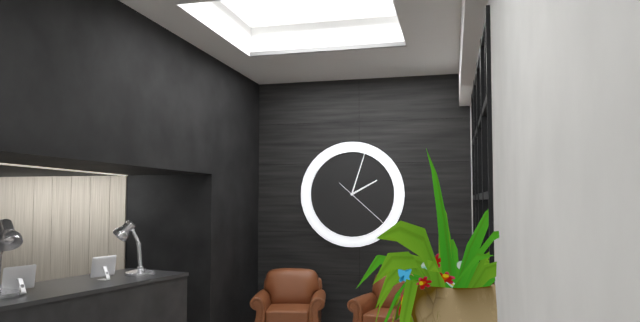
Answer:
**2:03:22**
